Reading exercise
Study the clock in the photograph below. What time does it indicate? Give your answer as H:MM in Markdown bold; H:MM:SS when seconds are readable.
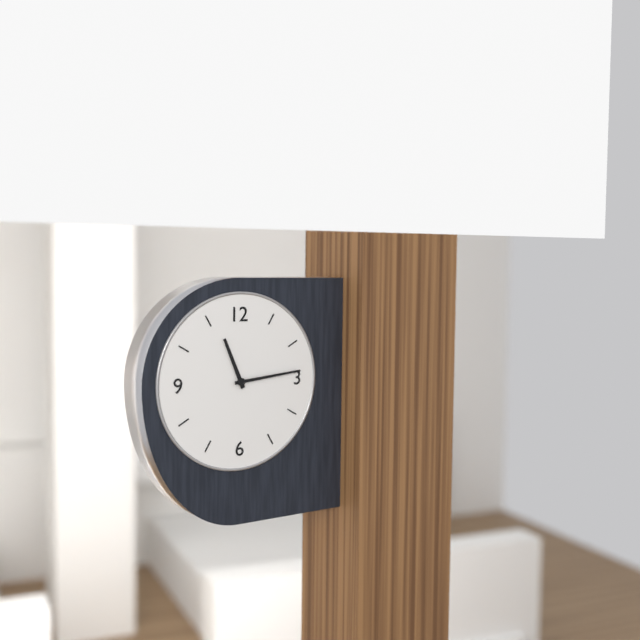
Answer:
**11:14**
